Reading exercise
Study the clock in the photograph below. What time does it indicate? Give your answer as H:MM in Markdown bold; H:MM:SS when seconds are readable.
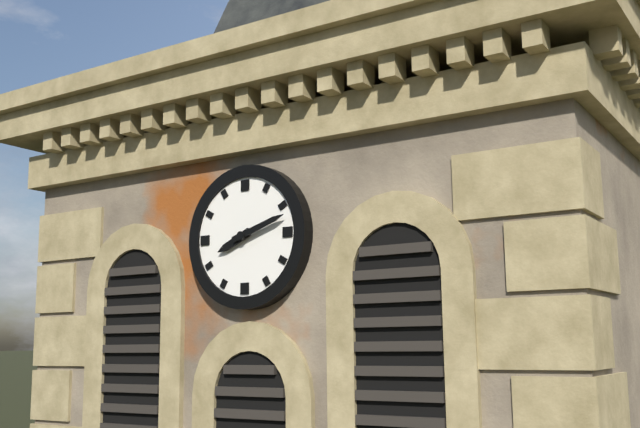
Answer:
**8:12**
